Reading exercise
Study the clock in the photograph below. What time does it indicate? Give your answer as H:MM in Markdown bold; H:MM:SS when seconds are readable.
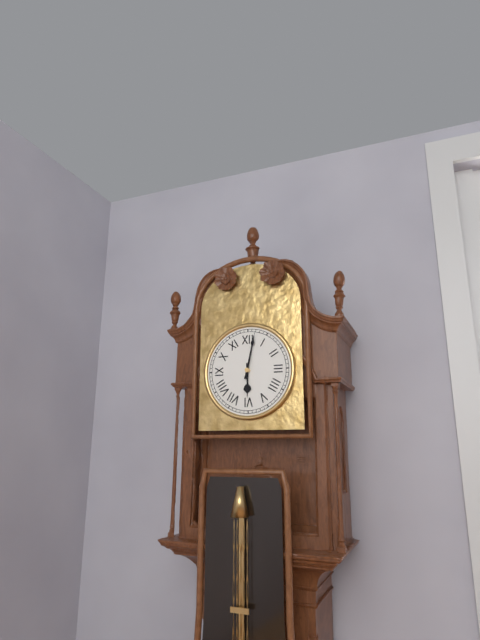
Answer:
**6:02**
